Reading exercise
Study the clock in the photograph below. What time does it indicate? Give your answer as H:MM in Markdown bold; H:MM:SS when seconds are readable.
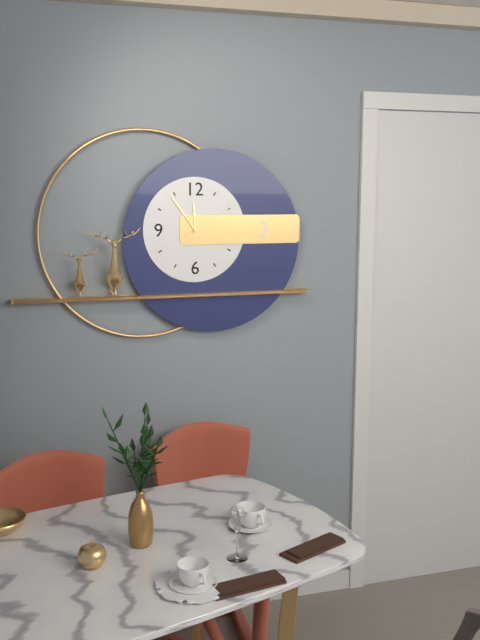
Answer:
**11:54:10**
